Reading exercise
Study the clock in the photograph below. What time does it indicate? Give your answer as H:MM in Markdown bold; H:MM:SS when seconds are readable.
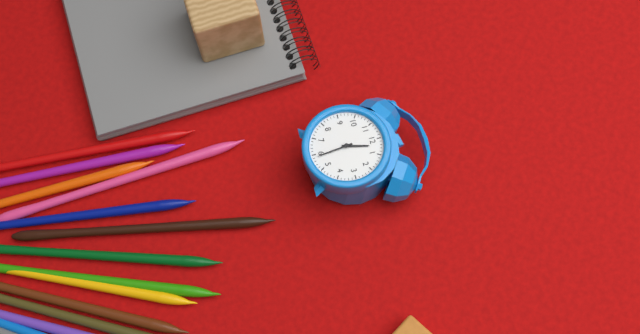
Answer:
**12:29**
